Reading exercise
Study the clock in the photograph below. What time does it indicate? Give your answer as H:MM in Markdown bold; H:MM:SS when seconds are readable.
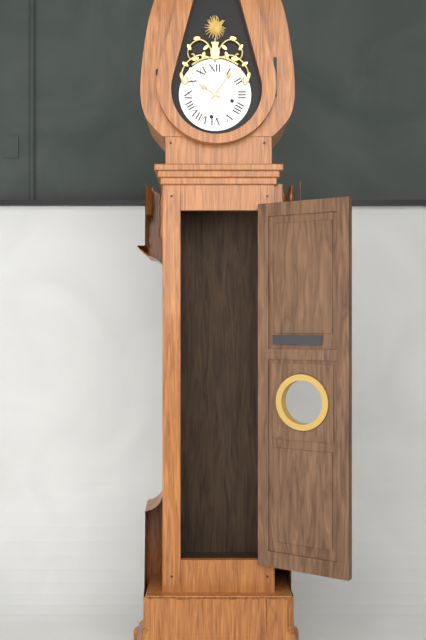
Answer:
**10:06**
